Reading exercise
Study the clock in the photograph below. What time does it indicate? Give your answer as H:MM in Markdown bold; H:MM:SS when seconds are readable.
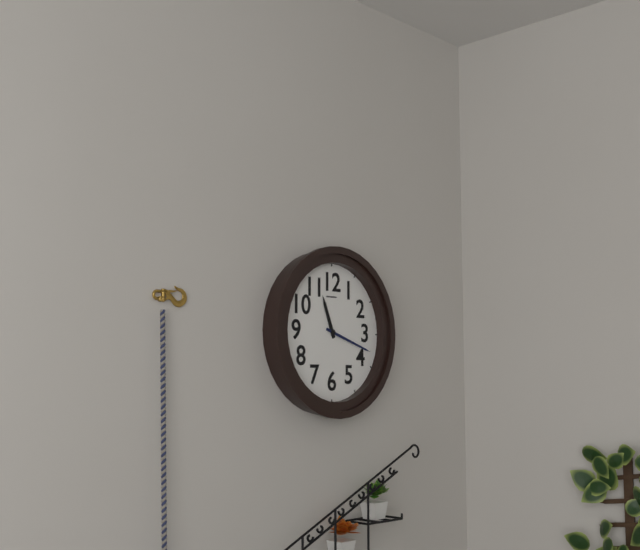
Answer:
**11:18**
